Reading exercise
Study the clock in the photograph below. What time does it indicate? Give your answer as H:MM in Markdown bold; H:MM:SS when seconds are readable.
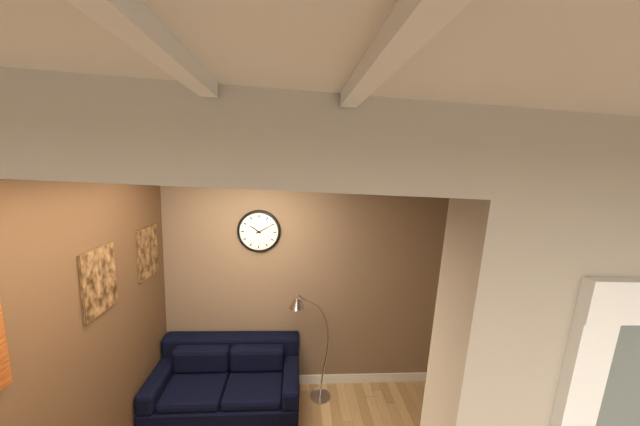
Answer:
**10:10**
